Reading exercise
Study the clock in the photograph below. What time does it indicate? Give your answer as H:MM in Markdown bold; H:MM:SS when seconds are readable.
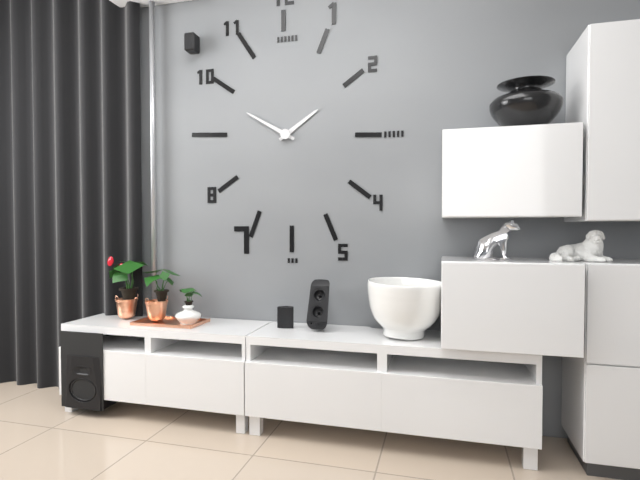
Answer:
**1:50**
